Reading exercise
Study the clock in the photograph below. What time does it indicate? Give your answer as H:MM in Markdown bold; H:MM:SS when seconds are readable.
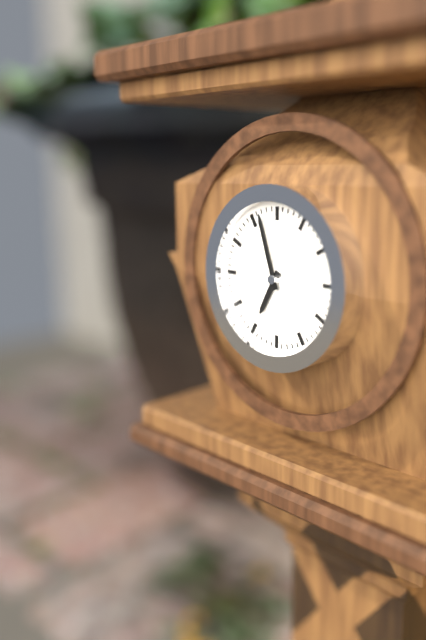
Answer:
**6:57**
